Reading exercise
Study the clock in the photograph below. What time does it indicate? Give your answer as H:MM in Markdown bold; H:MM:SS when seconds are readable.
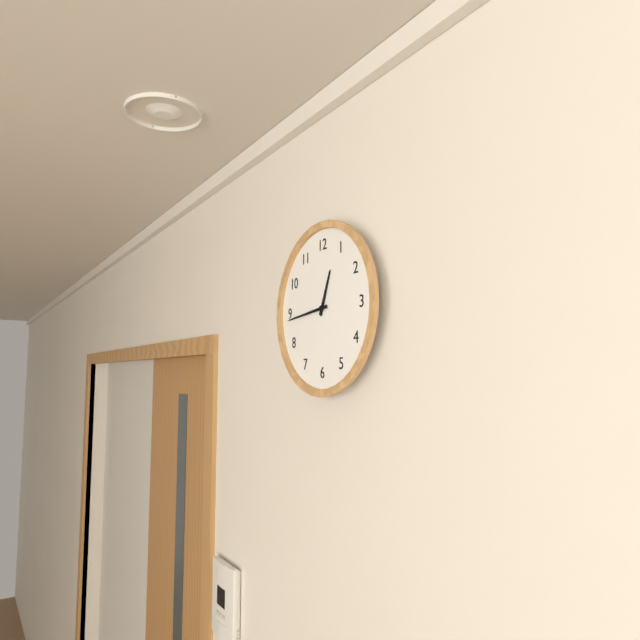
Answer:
**12:44**
